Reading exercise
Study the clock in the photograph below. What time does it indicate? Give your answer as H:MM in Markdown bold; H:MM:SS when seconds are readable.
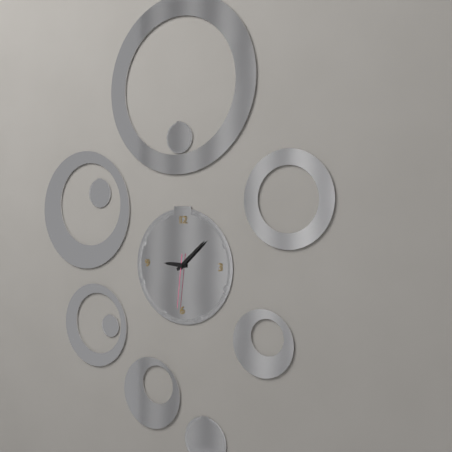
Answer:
**9:08:31**
